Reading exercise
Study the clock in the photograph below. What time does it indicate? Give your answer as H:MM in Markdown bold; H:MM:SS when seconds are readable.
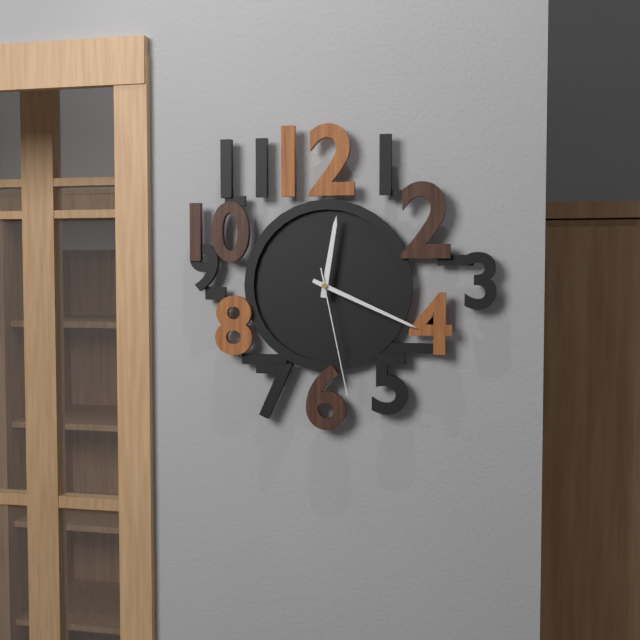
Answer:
**12:19:28**
